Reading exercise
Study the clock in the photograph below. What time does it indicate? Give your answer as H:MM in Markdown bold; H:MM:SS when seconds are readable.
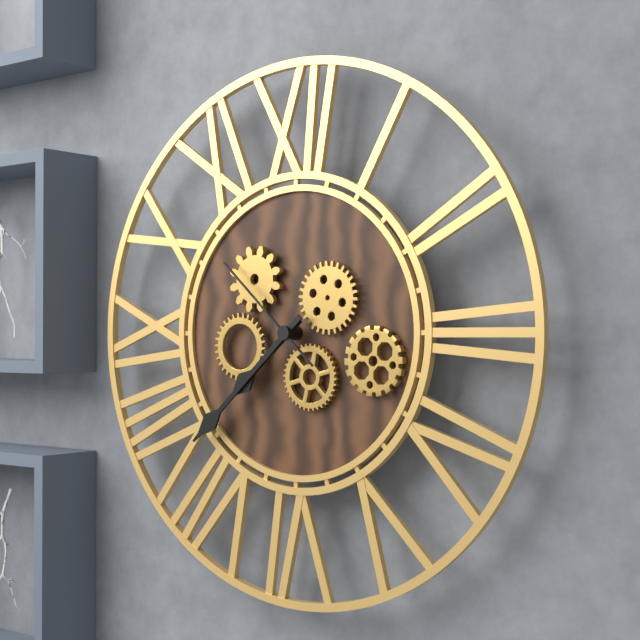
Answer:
**7:38:52**
